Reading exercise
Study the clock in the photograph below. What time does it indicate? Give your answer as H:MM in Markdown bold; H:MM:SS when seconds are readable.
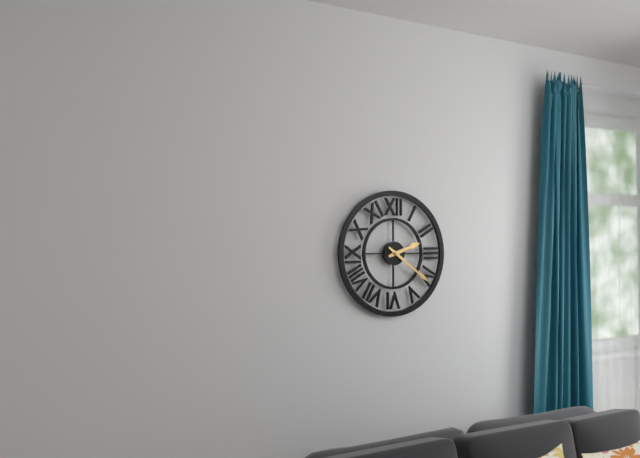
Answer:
**2:21**
